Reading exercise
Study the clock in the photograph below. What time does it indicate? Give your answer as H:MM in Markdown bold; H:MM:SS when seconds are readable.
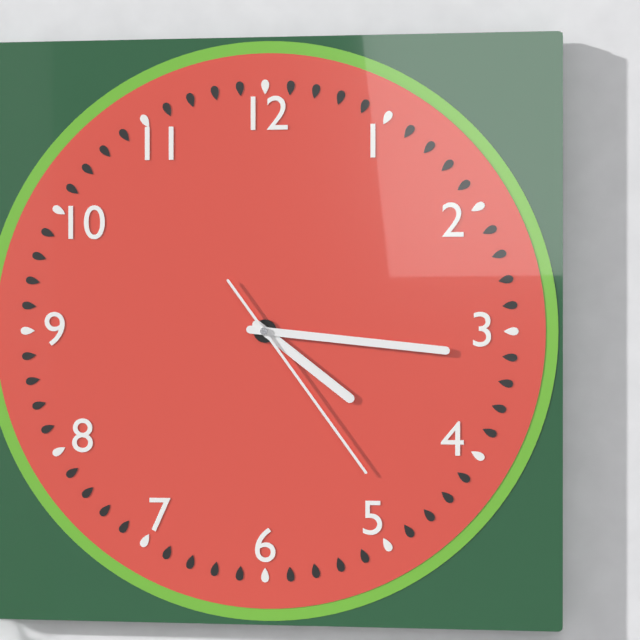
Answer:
**4:16:24**
